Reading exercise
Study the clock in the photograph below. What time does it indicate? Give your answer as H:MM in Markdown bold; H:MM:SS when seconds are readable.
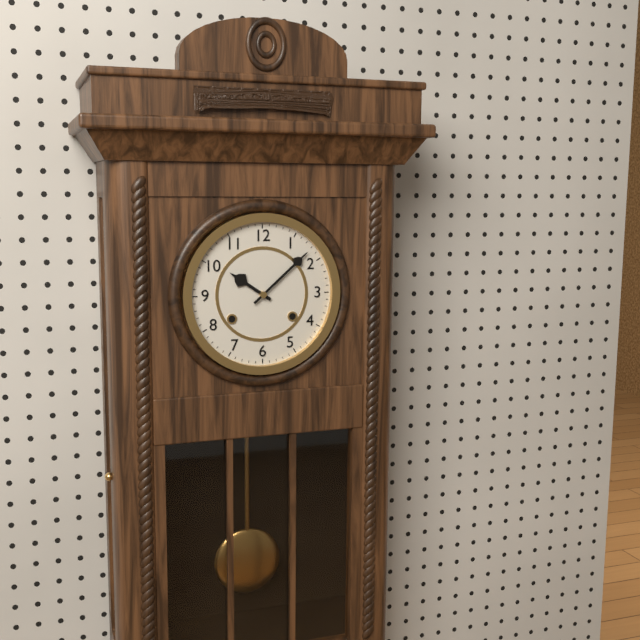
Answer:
**10:08**
